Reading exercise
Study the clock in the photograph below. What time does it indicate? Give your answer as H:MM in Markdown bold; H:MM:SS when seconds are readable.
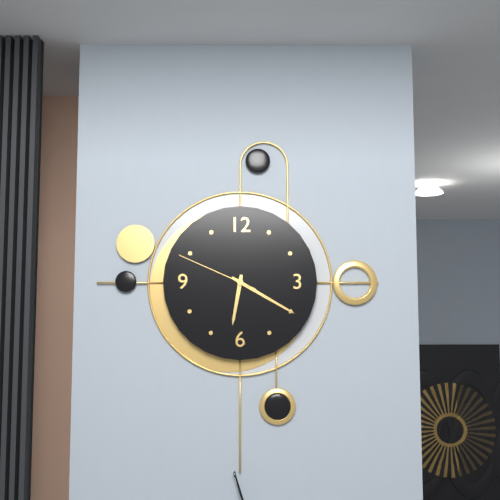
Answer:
**6:20:49**
